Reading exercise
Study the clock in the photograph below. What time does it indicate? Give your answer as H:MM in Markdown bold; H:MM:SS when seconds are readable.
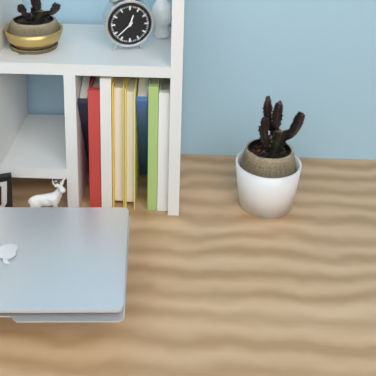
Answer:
**12:38**
